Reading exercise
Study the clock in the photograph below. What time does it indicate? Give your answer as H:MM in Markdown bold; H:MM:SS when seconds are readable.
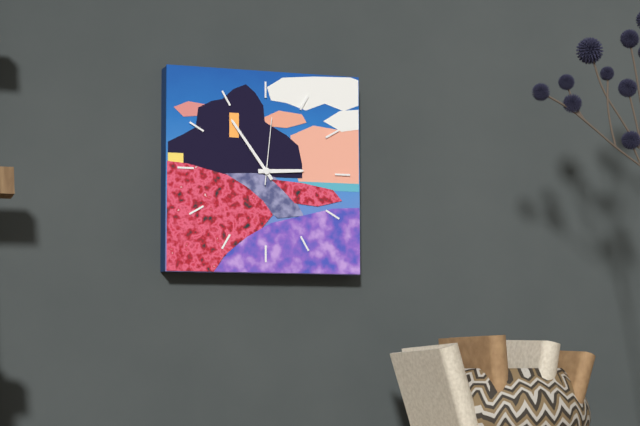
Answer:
**2:54:01**
